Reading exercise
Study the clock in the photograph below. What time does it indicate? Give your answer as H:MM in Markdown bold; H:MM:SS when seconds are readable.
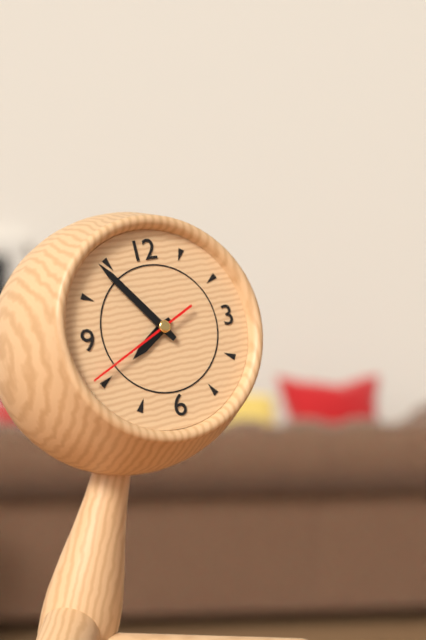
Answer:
**7:54:41**
